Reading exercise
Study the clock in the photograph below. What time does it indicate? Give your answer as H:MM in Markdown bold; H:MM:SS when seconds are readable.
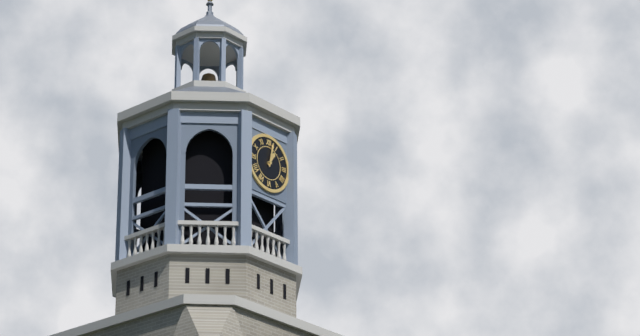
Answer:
**1:02**
